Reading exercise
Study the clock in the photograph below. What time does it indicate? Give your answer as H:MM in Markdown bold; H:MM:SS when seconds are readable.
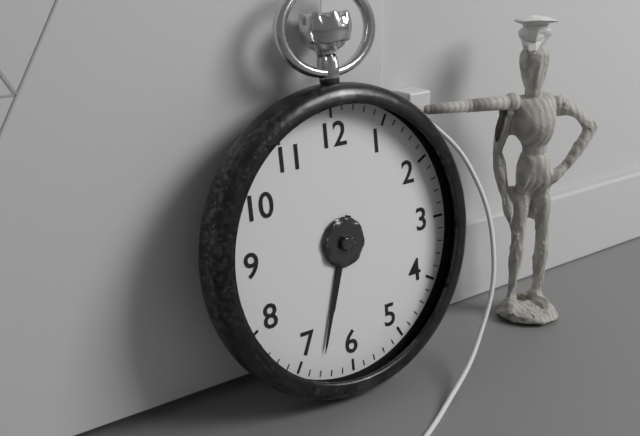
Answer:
**6:33**
